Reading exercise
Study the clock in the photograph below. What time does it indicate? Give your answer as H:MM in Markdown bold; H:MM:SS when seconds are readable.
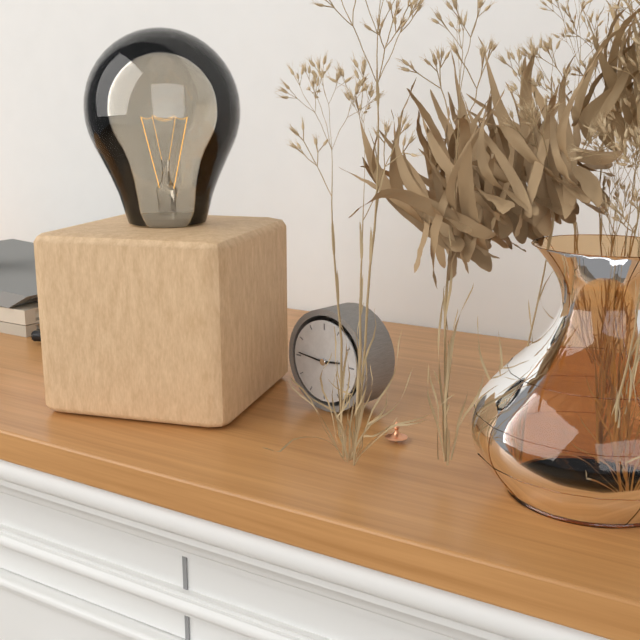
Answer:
**2:46**
